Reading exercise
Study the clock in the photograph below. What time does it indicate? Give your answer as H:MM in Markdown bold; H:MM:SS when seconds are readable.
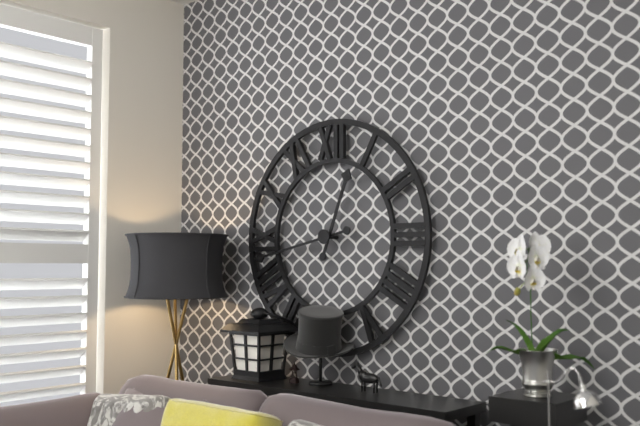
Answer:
**12:43**
